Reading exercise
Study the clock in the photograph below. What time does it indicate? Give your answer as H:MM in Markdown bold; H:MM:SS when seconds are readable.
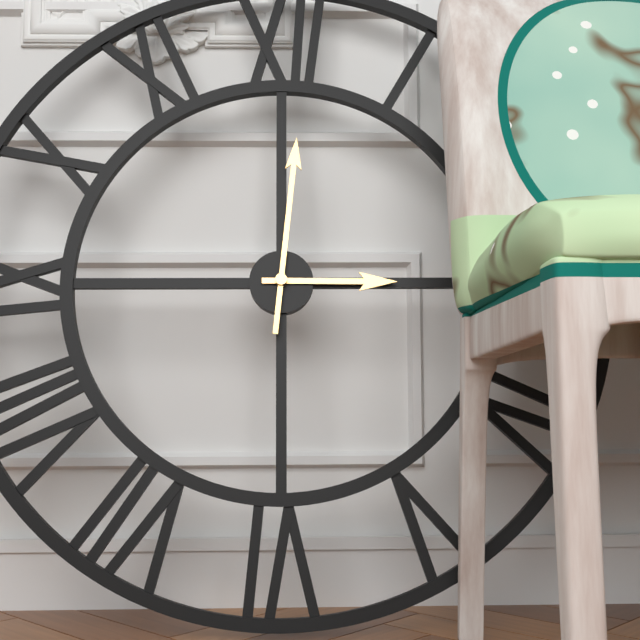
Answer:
**3:01**
